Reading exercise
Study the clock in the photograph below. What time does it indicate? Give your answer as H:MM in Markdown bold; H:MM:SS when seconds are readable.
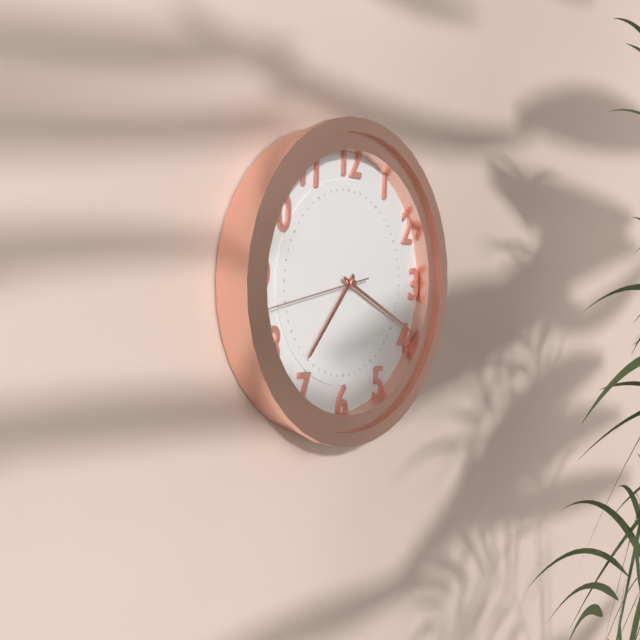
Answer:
**7:19:43**
